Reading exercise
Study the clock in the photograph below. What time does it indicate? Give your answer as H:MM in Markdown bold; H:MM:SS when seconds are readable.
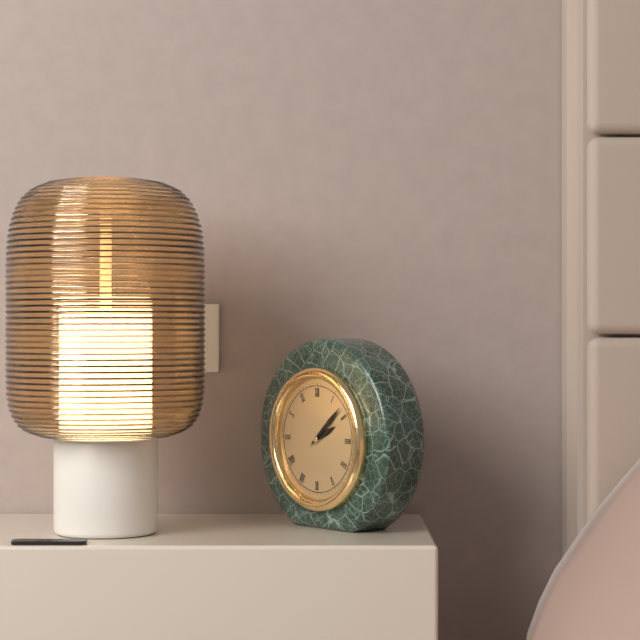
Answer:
**2:08**
